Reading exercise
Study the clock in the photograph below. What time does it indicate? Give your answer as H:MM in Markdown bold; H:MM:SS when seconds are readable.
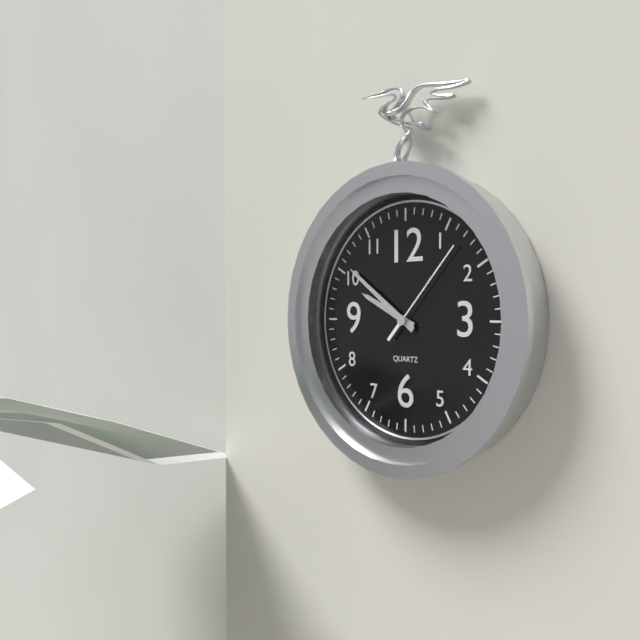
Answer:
**9:51:07**
